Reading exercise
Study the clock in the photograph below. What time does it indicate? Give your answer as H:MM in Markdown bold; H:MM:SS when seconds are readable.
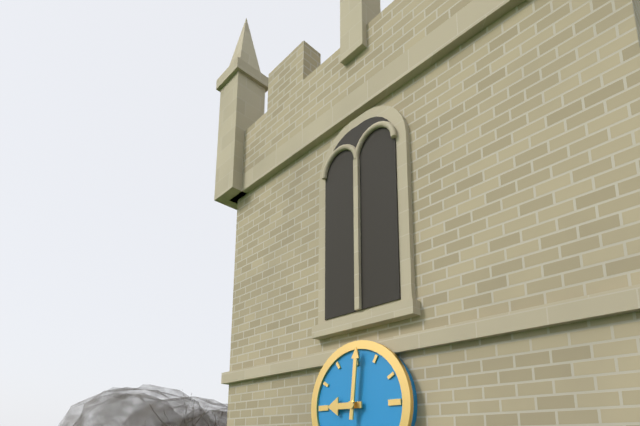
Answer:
**9:01**
